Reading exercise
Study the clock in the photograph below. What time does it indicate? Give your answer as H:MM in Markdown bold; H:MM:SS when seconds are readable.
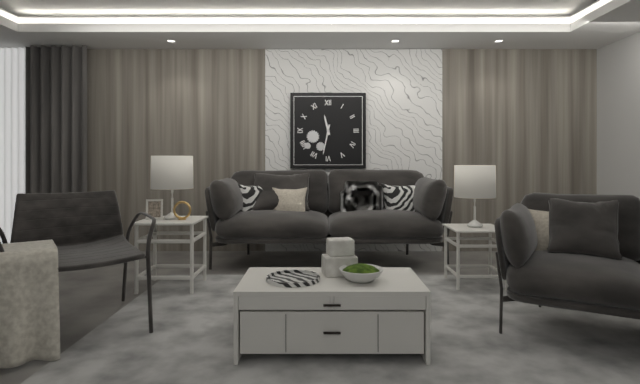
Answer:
**11:32**
